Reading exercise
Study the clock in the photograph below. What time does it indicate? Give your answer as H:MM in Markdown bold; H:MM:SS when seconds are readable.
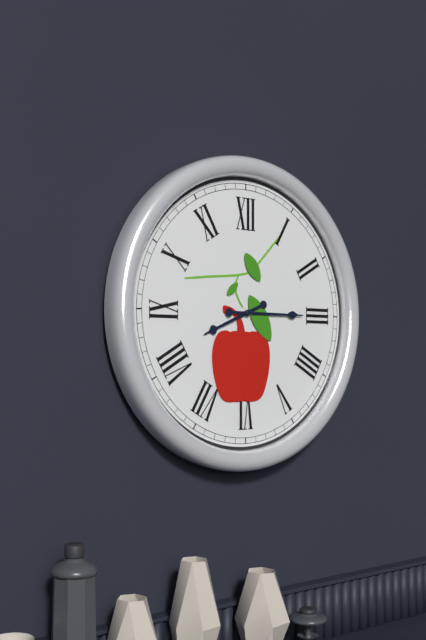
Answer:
**8:15**
